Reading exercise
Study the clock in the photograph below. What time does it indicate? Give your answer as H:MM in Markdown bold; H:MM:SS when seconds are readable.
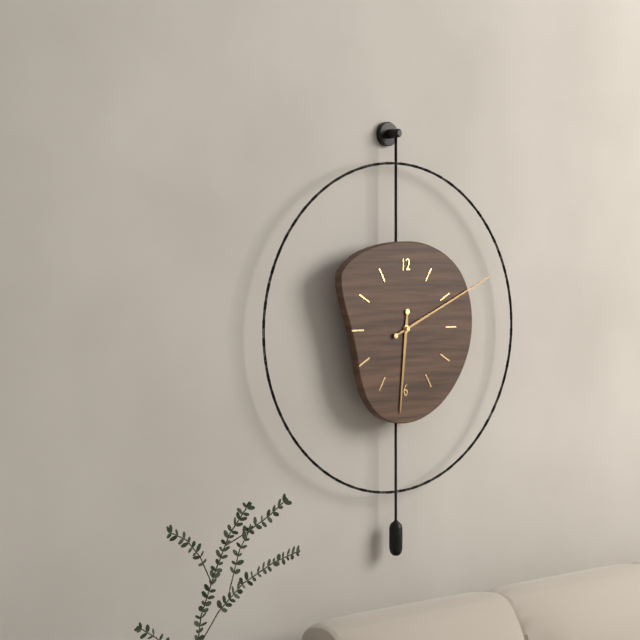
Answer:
**6:11**
